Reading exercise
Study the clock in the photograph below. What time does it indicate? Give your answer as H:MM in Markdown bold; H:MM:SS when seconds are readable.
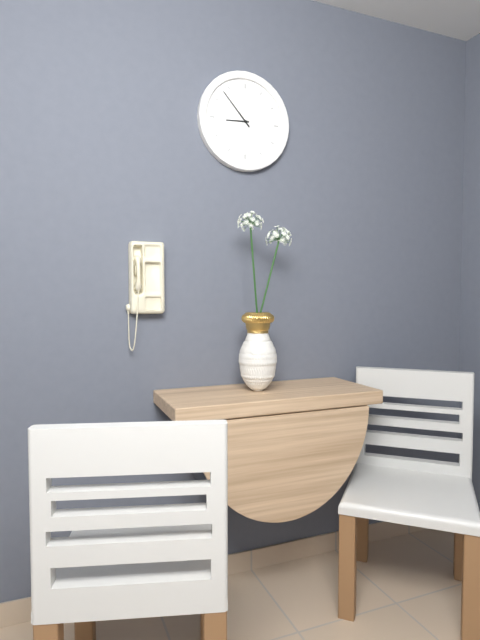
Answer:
**8:53**
